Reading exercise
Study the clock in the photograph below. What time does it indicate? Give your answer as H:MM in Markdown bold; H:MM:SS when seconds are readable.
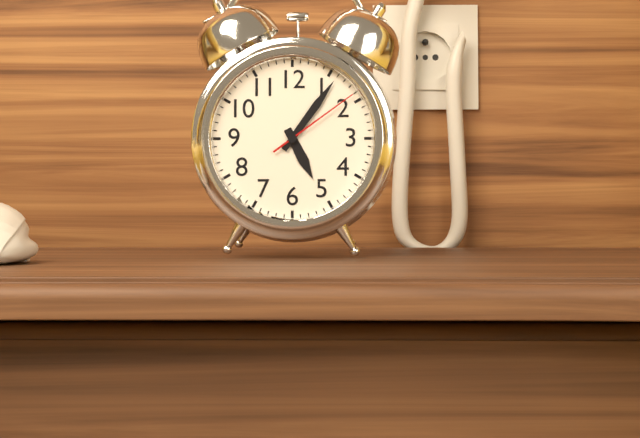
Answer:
**5:06:09**
